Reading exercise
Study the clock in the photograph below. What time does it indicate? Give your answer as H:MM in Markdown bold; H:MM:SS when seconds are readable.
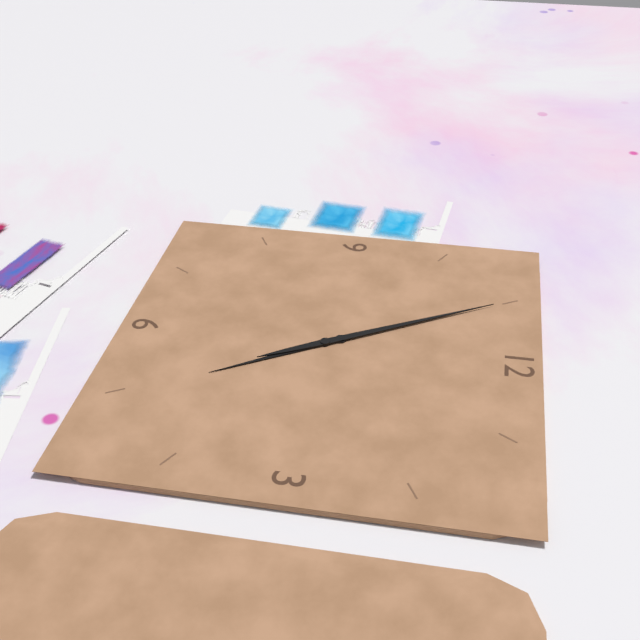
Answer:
**4:55**
